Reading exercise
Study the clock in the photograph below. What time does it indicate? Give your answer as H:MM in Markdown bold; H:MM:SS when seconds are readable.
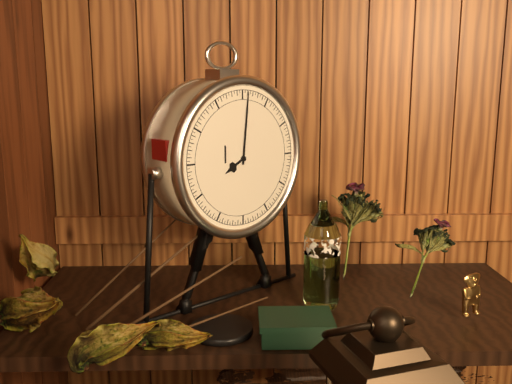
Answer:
**8:01**
